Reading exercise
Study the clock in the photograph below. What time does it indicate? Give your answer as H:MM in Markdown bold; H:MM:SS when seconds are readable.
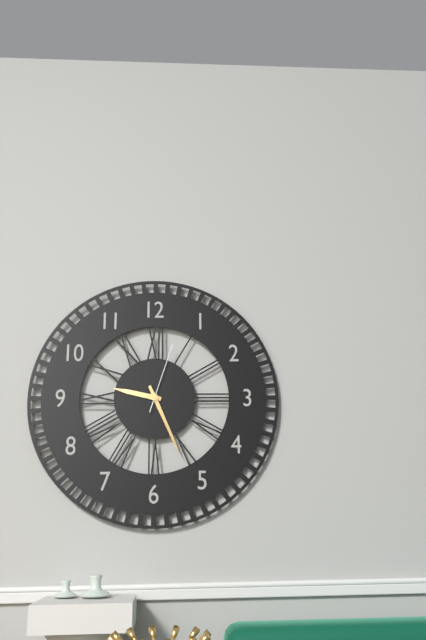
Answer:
**9:26:03**
